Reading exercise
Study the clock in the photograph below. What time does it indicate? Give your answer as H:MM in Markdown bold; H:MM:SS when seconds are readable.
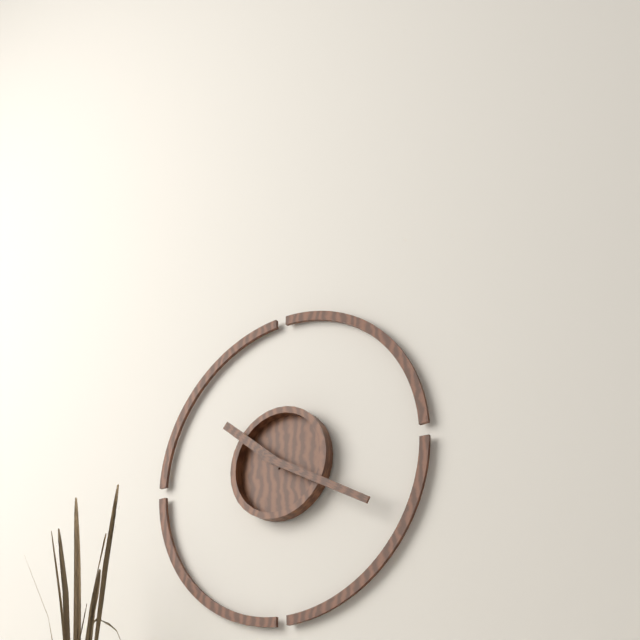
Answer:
**10:20**
